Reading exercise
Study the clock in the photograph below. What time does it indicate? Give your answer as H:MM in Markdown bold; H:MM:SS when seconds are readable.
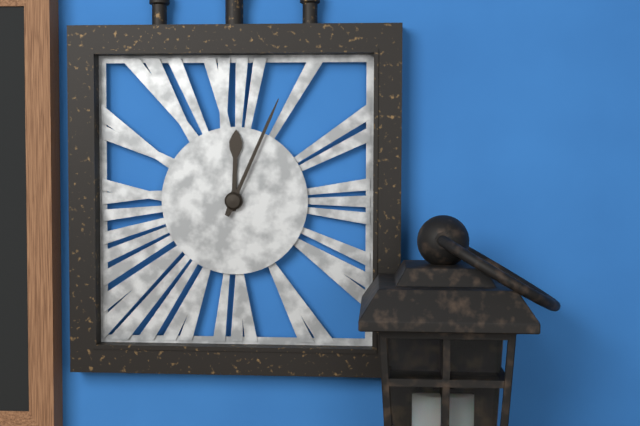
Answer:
**12:04**
